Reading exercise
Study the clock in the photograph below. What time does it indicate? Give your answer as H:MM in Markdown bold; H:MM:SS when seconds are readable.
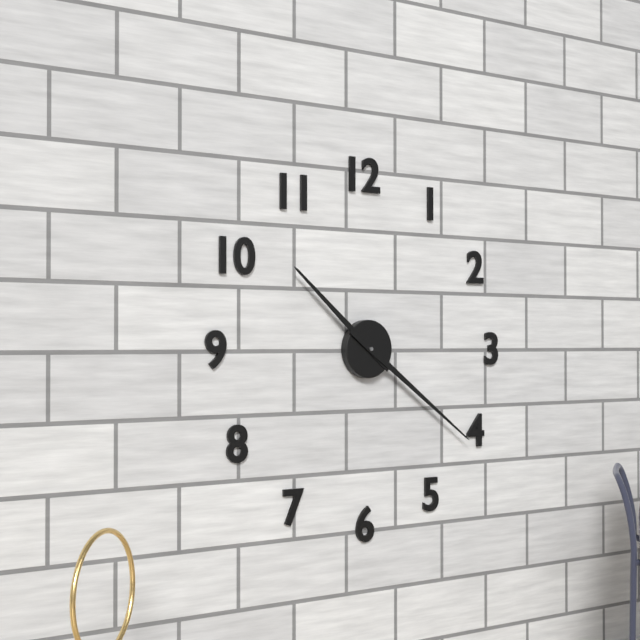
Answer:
**10:21**
